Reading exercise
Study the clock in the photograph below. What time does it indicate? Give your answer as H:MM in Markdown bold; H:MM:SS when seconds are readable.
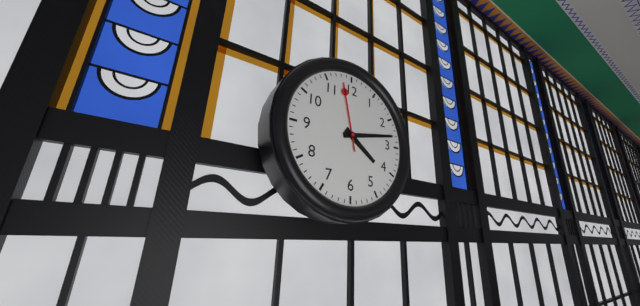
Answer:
**4:13:58**
